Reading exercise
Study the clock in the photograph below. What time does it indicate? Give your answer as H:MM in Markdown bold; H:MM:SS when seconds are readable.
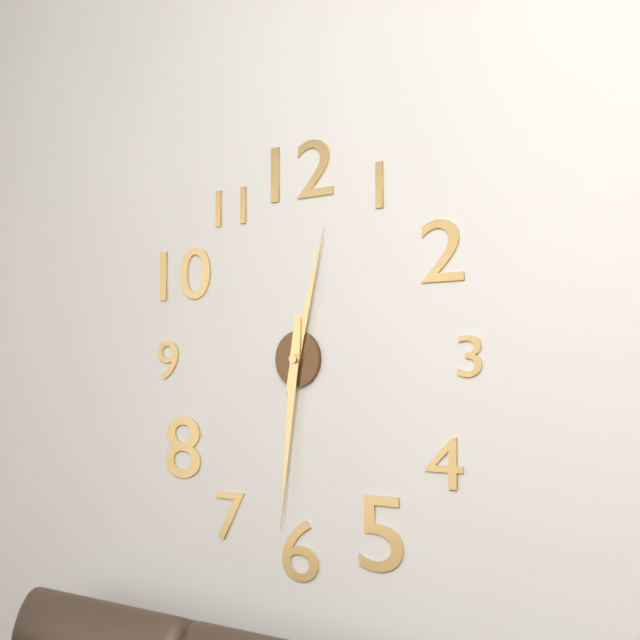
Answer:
**12:31**
